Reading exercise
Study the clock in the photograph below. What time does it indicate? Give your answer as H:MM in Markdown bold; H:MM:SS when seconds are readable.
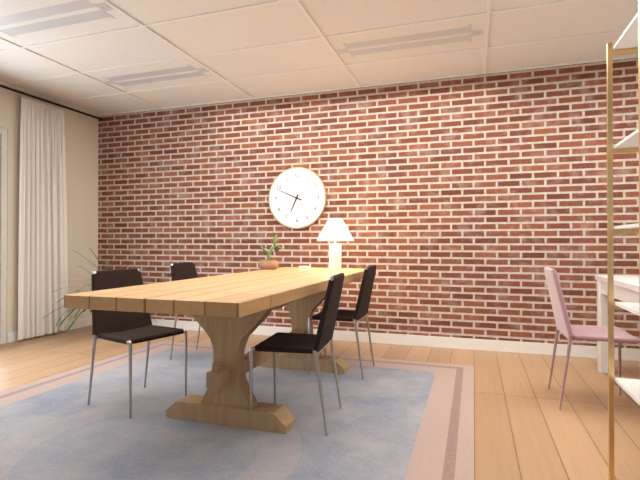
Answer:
**6:49**
